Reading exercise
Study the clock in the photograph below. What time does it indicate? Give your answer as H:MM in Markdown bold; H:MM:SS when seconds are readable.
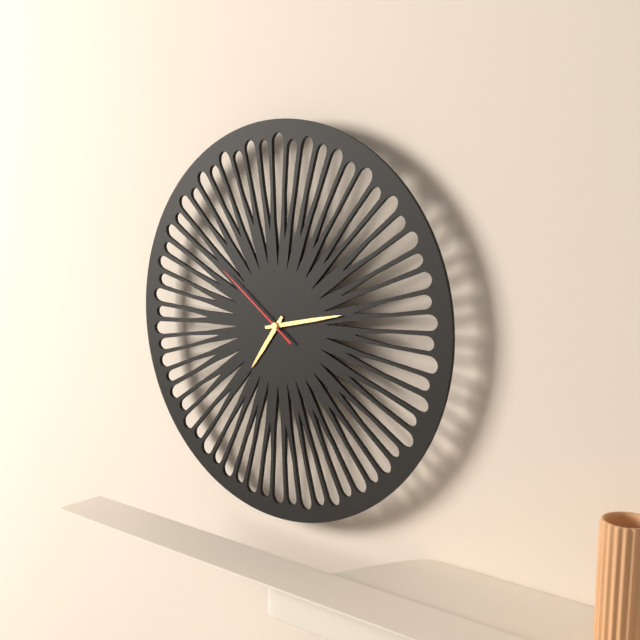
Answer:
**7:13:51**
